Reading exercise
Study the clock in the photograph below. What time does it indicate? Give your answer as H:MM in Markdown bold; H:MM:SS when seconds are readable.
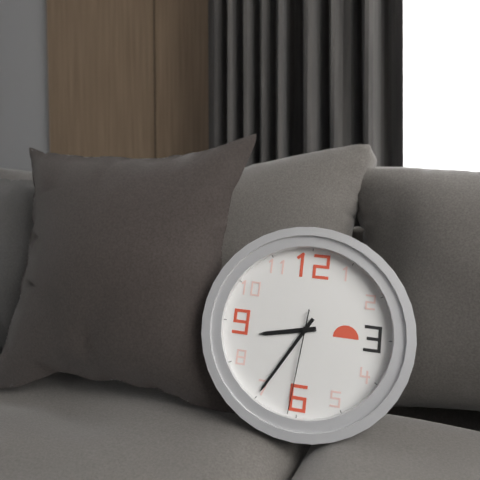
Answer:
**8:35:31**
